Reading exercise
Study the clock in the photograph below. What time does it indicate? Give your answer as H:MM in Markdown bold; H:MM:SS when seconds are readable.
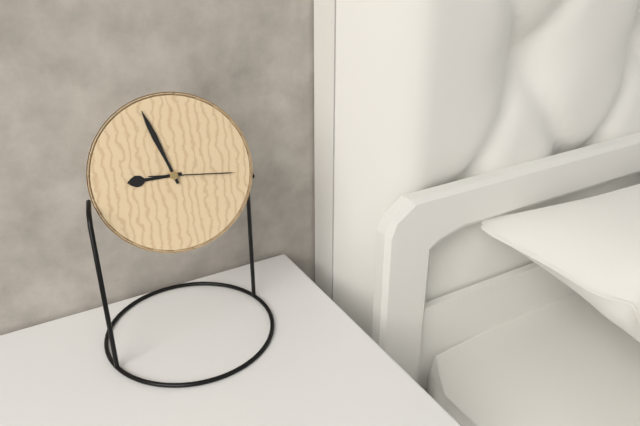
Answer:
**8:57:16**
